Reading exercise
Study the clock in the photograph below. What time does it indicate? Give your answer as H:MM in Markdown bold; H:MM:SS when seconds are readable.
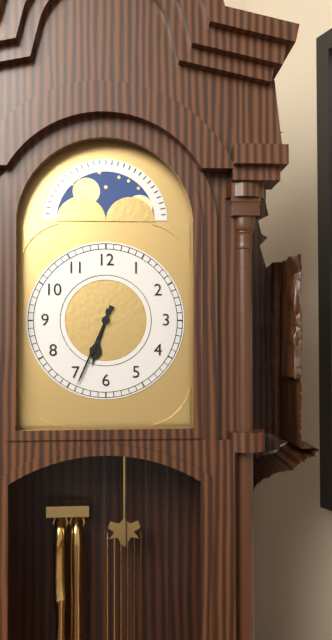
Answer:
**6:34**
